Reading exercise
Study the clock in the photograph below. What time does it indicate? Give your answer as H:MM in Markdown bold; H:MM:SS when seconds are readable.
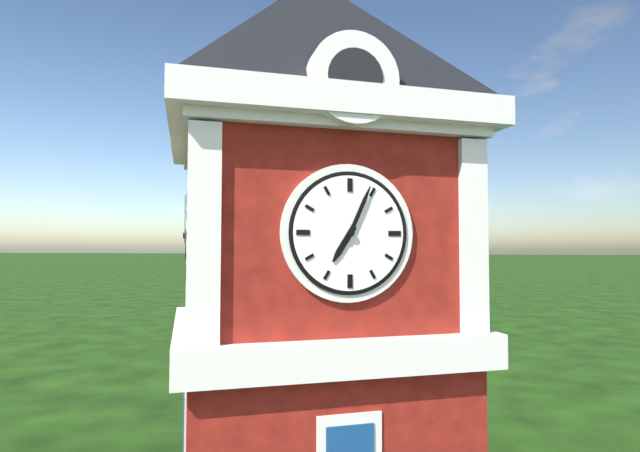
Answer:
**7:04**
